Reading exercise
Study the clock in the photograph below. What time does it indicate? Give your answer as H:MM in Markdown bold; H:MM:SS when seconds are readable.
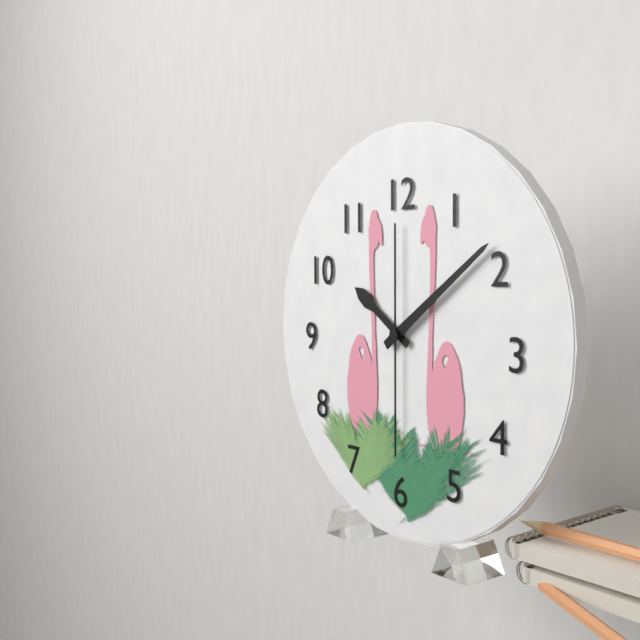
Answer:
**10:09:30**
